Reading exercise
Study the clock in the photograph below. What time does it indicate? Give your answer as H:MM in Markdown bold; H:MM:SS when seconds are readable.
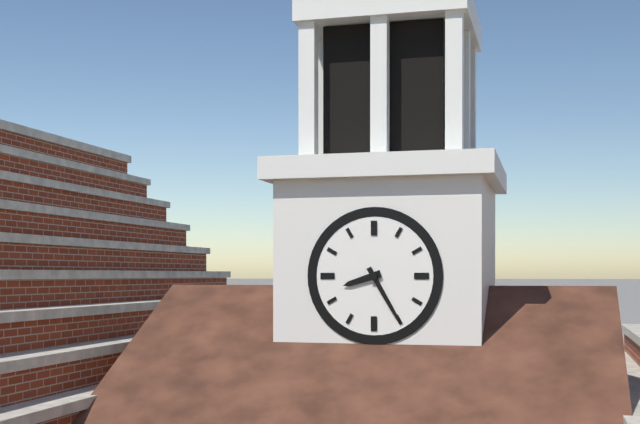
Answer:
**8:25**
